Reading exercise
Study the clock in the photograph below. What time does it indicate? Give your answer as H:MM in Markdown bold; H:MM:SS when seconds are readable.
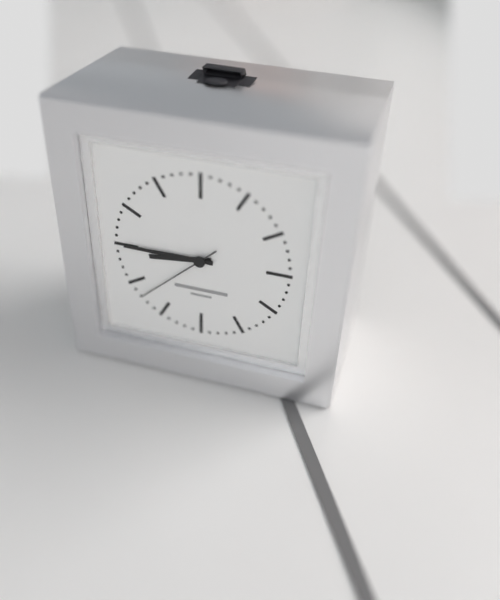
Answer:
**8:45:38**
